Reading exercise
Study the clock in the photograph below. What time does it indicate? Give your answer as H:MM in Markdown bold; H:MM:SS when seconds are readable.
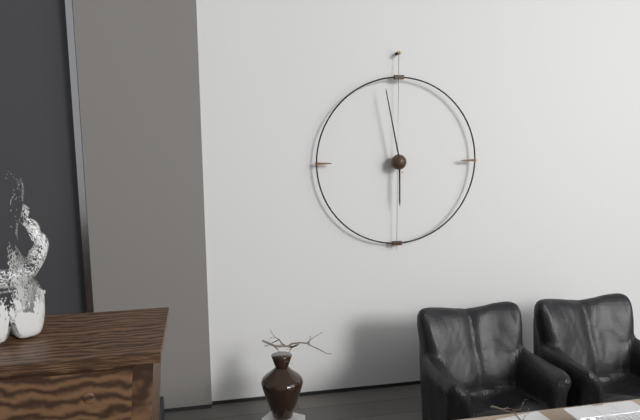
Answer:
**5:58**
